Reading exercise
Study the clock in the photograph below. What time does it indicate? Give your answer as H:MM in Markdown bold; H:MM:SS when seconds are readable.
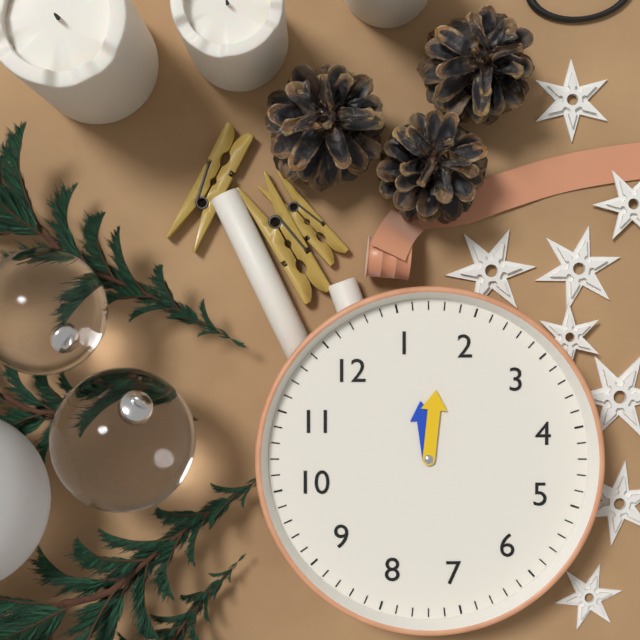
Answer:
**1:08**
